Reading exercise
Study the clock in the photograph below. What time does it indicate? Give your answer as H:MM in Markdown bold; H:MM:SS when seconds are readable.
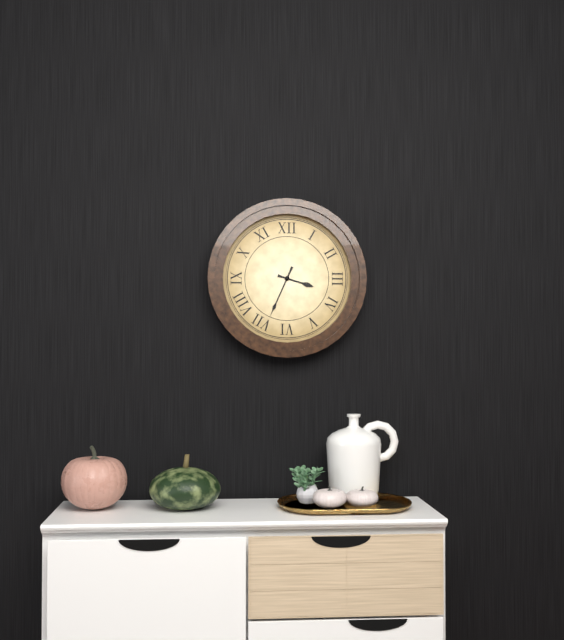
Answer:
**3:34**
